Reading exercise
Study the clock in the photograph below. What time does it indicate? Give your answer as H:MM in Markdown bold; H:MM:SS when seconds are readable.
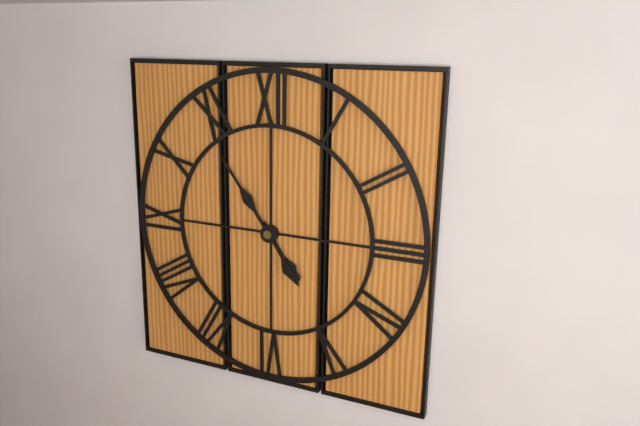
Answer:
**4:54**
